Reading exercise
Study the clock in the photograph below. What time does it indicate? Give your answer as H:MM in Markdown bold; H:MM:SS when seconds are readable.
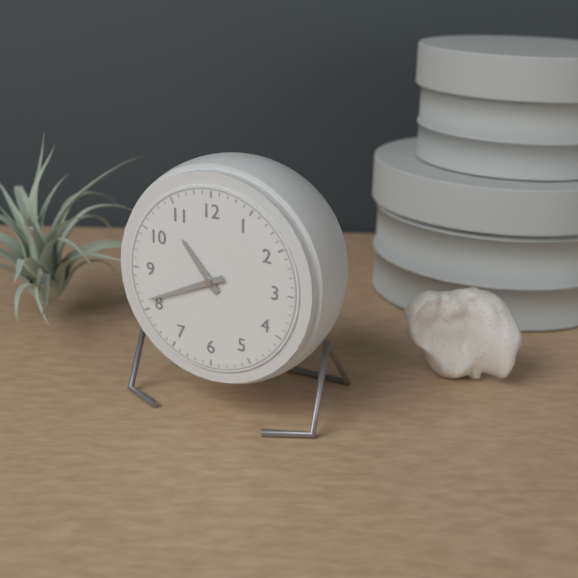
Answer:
**10:41**
